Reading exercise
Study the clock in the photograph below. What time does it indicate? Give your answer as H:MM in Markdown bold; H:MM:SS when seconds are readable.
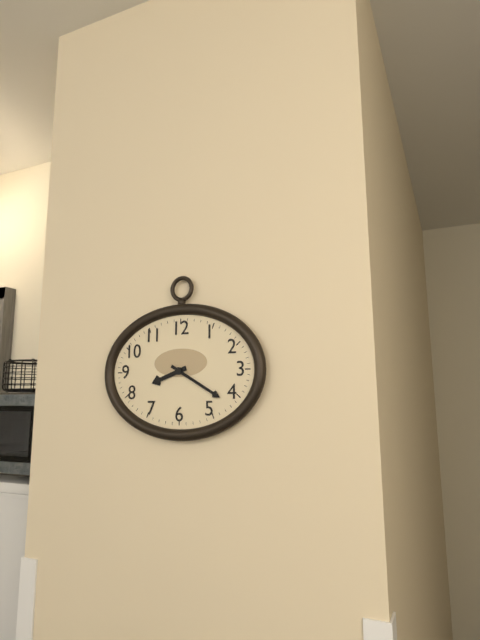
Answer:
**8:20**
